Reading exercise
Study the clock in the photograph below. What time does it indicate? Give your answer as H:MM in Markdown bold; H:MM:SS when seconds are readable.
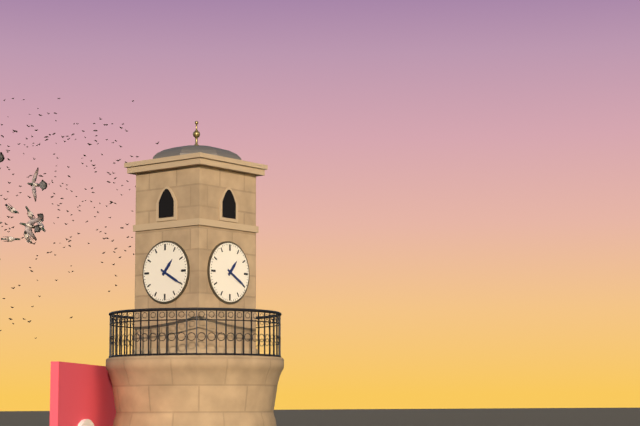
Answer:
**1:20**
